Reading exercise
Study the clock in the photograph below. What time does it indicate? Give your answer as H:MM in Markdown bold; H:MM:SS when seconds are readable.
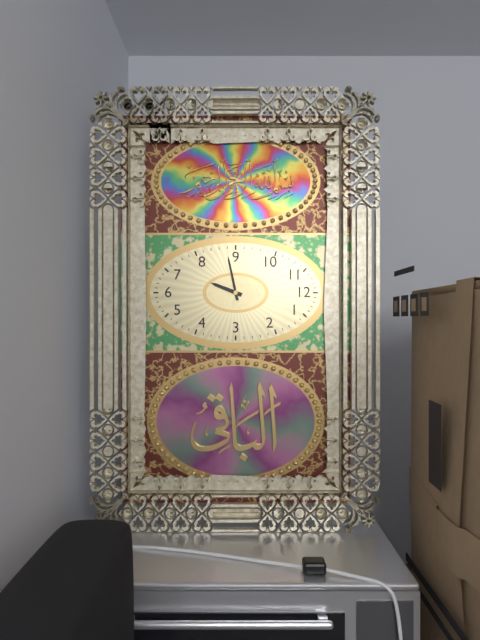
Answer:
**6:43**
